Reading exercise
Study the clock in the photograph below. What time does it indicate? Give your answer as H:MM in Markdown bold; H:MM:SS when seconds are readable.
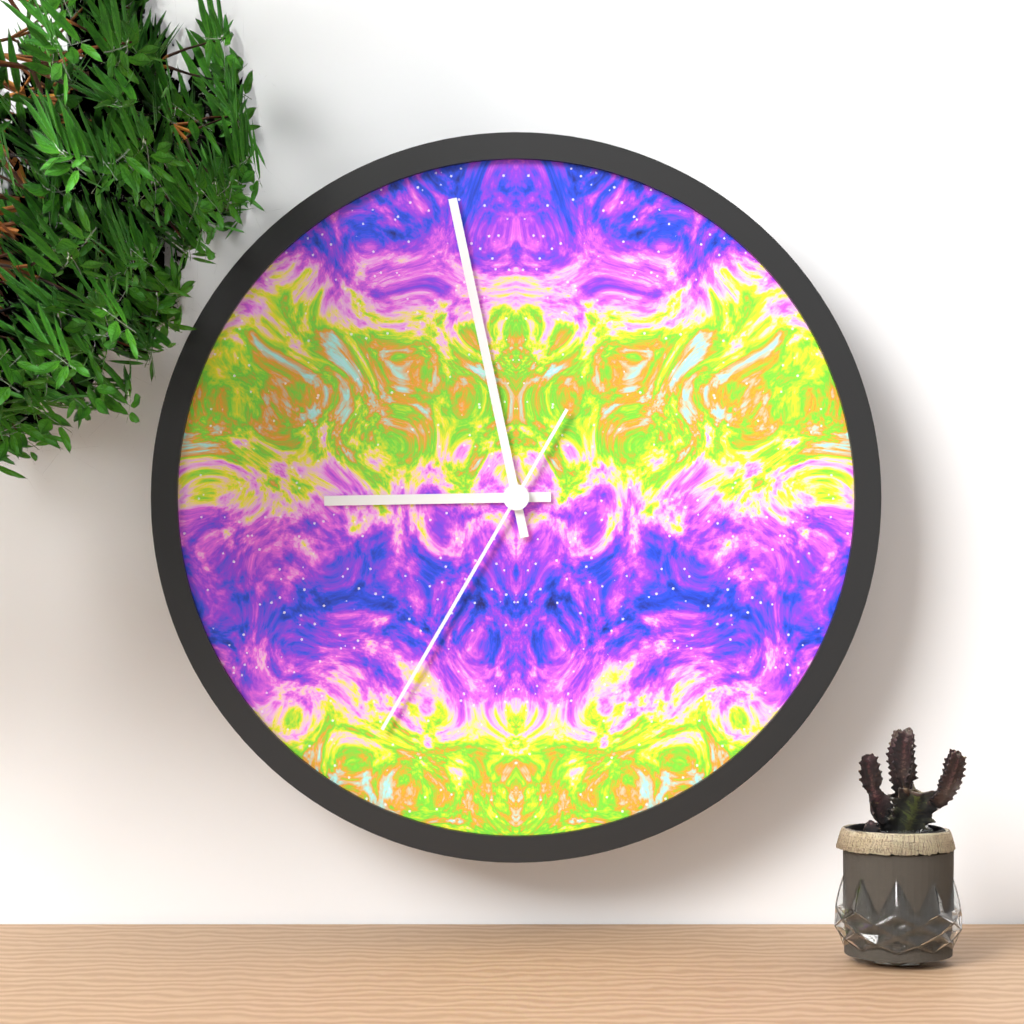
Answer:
**8:58:35**
